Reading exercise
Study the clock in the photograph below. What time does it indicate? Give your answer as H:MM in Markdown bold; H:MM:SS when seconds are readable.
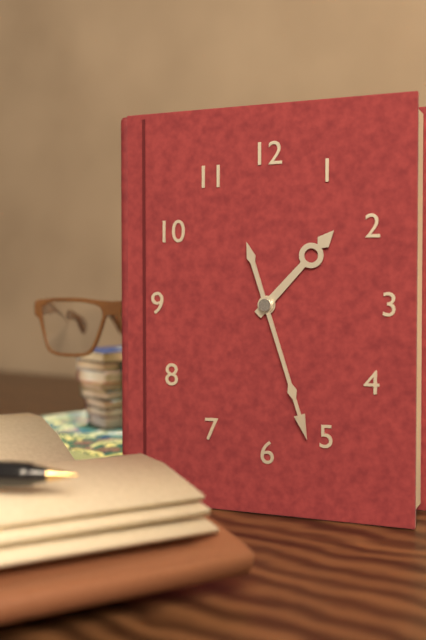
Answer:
**1:27**
